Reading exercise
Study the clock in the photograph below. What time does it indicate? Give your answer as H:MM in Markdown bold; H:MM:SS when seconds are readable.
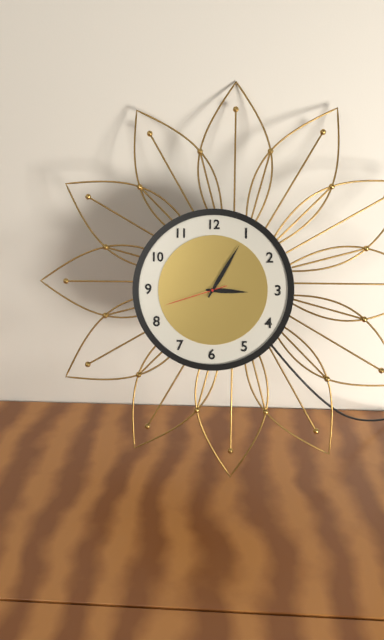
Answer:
**3:05:42**
